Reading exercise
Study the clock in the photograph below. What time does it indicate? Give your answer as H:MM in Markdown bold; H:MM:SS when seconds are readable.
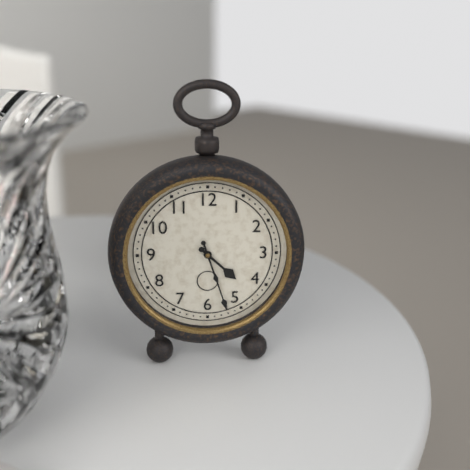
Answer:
**4:27**
